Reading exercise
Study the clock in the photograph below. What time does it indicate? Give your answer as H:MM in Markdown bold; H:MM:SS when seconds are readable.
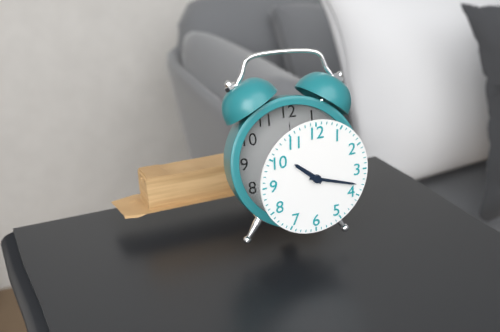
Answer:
**10:18**
